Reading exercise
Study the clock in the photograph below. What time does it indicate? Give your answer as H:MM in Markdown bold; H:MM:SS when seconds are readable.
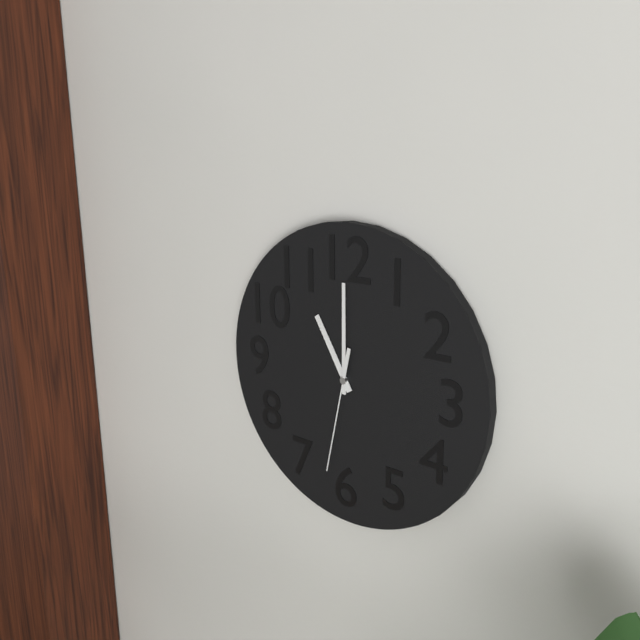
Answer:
**11:00:32**
